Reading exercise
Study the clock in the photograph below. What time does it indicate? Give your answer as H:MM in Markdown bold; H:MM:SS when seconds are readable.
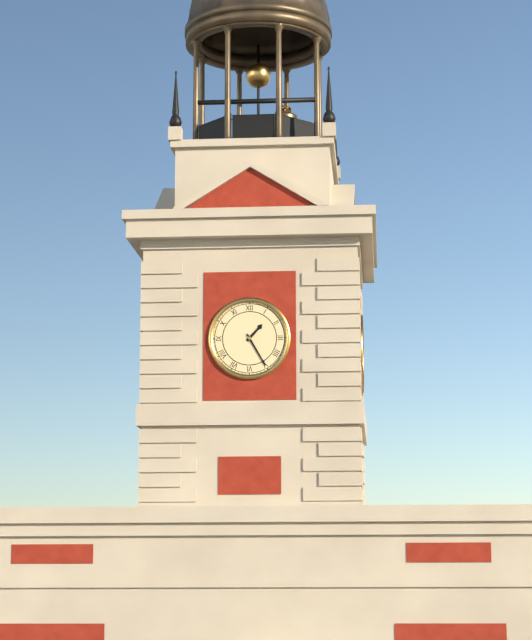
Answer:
**1:25**
